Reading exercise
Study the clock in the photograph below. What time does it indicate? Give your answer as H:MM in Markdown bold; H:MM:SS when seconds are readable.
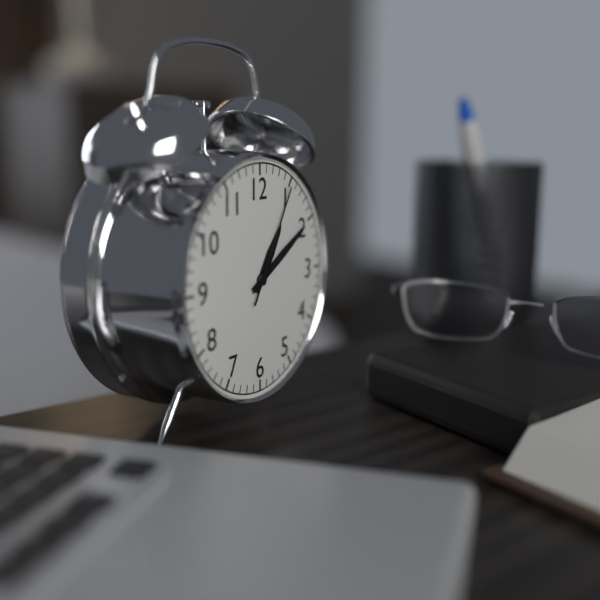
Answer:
**1:10:05**
